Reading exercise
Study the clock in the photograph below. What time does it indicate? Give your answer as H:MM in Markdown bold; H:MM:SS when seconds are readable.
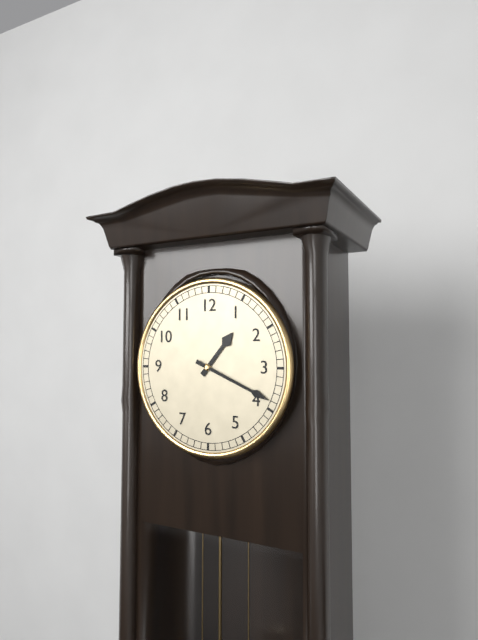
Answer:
**1:19**
